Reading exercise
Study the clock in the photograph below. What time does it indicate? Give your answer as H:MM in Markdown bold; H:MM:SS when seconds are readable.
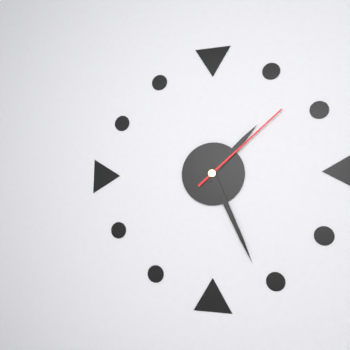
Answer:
**1:26:08**
